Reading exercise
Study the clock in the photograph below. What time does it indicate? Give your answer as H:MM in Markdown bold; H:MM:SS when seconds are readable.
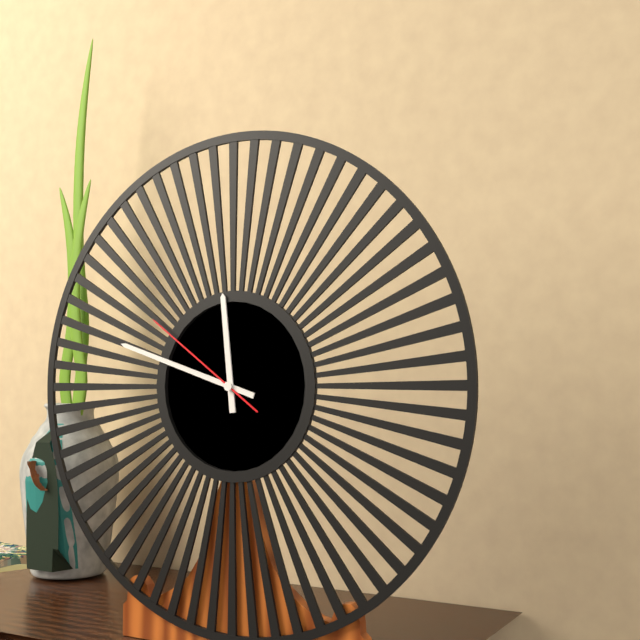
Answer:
**11:48:51**
